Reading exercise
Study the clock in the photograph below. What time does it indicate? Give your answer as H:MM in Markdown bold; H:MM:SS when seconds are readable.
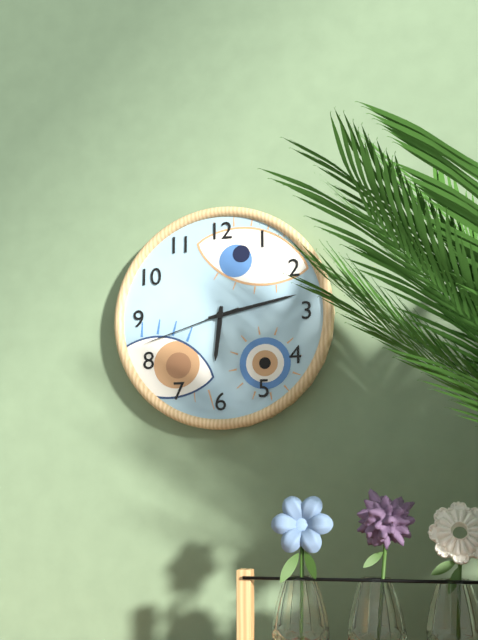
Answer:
**6:13:42**
